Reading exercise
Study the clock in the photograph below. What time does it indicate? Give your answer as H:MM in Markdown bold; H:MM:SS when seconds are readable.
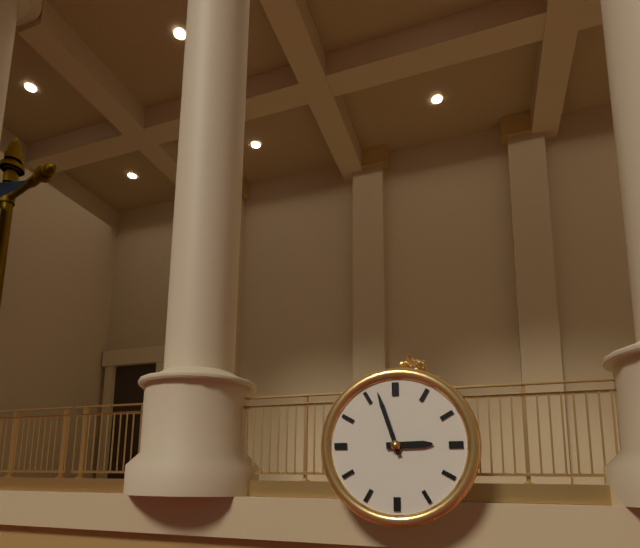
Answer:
**2:57**
